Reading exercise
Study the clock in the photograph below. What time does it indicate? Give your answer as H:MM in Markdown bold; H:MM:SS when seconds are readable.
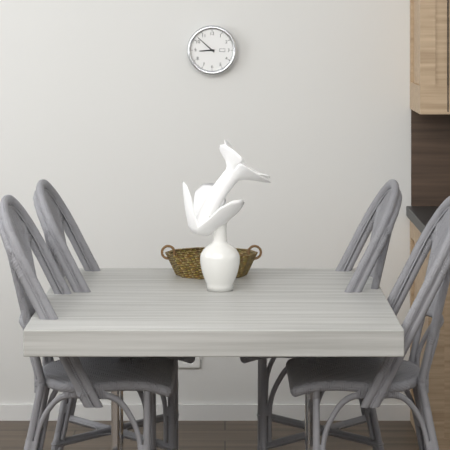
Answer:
**8:52**
